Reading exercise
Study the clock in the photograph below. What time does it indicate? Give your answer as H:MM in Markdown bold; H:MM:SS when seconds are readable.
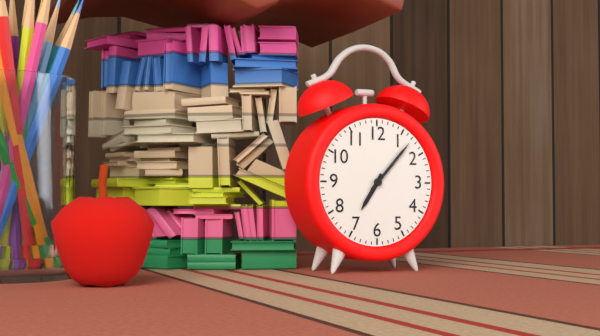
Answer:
**7:07**
